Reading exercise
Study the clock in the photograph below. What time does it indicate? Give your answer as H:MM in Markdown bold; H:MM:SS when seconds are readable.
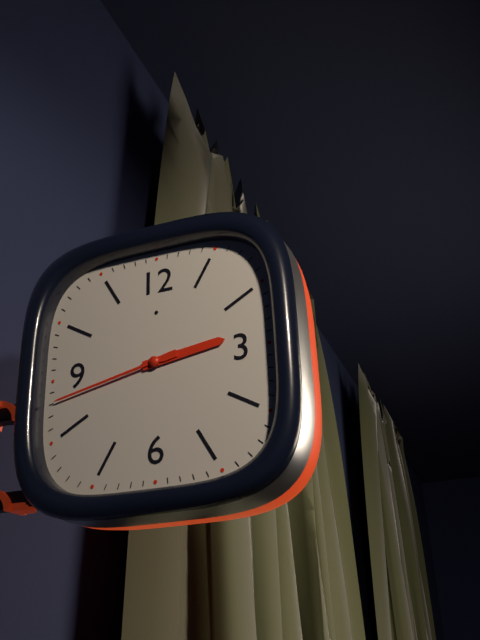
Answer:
**2:43**
